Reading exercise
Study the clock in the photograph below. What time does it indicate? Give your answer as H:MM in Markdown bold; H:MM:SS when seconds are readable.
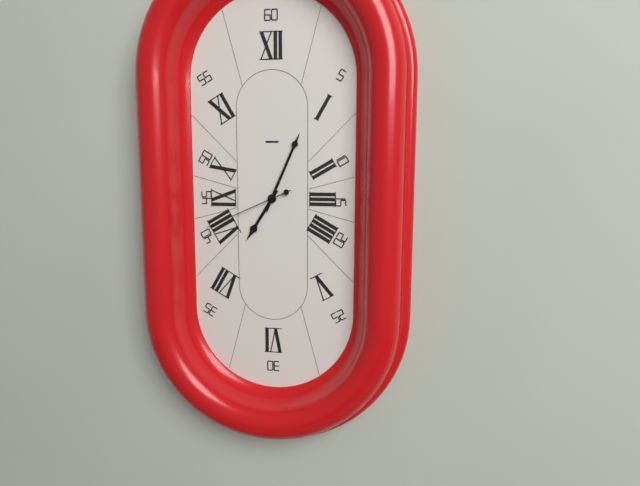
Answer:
**7:04:41**
